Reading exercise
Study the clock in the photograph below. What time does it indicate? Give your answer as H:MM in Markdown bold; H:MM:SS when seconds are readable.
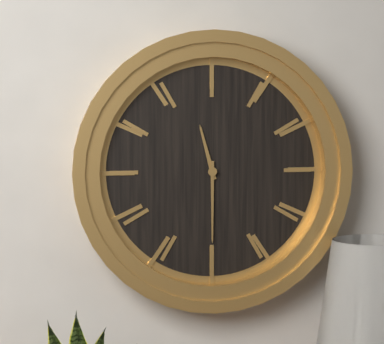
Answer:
**11:30**
